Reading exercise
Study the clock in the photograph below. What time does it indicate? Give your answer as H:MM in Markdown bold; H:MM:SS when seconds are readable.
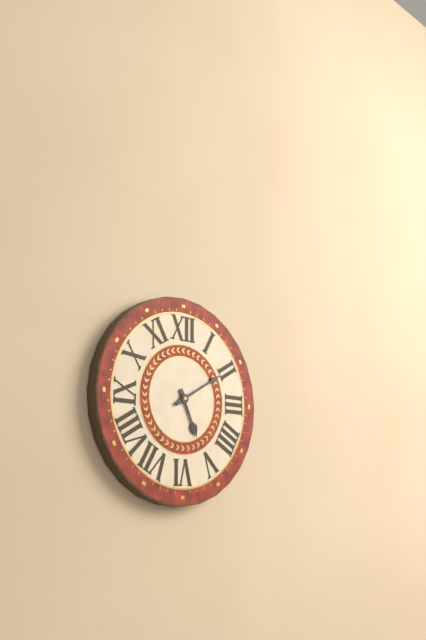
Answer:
**5:10**
